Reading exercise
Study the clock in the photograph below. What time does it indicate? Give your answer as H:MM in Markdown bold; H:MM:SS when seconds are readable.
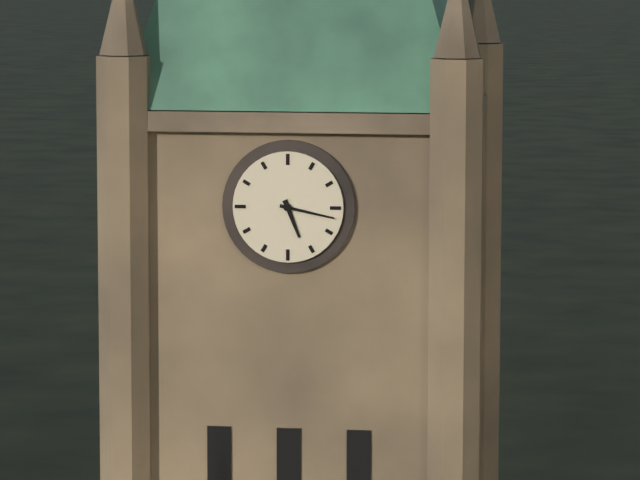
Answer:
**5:17**
